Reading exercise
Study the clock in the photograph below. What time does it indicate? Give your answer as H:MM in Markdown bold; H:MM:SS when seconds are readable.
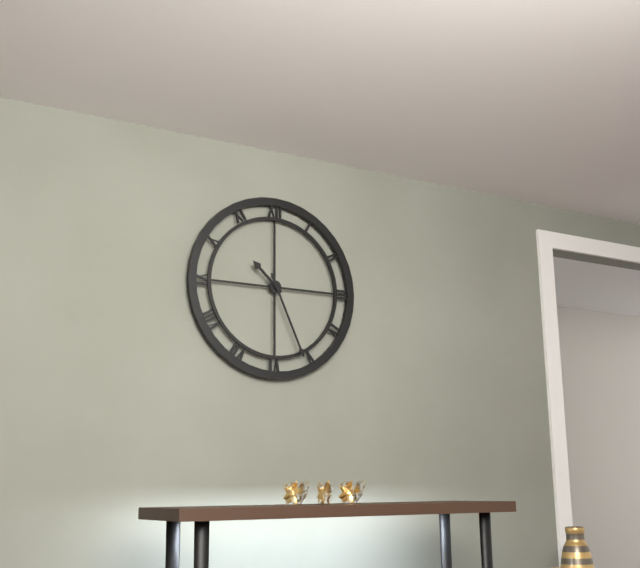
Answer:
**10:26**
